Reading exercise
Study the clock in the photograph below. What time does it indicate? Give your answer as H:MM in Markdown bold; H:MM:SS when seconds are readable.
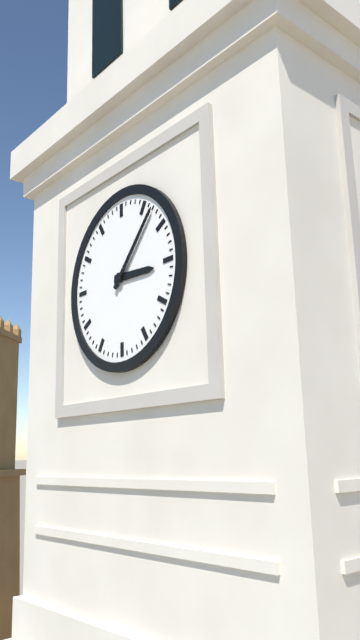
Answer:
**3:07**
